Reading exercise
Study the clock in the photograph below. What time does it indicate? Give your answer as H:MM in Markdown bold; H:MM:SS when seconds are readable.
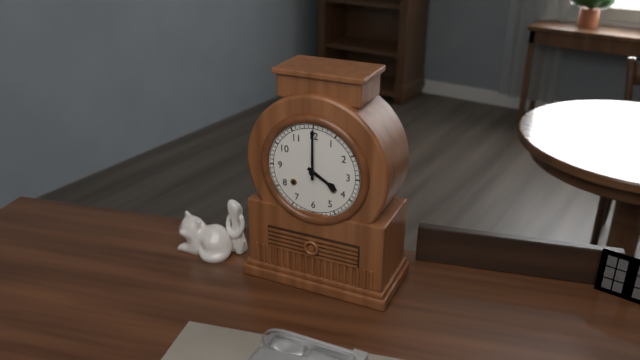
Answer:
**4:00**
